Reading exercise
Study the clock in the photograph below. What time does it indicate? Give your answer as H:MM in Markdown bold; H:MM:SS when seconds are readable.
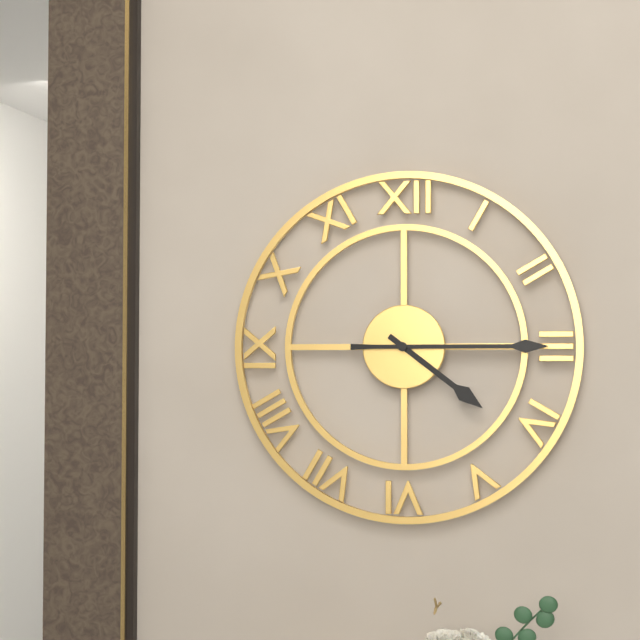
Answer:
**4:15**
